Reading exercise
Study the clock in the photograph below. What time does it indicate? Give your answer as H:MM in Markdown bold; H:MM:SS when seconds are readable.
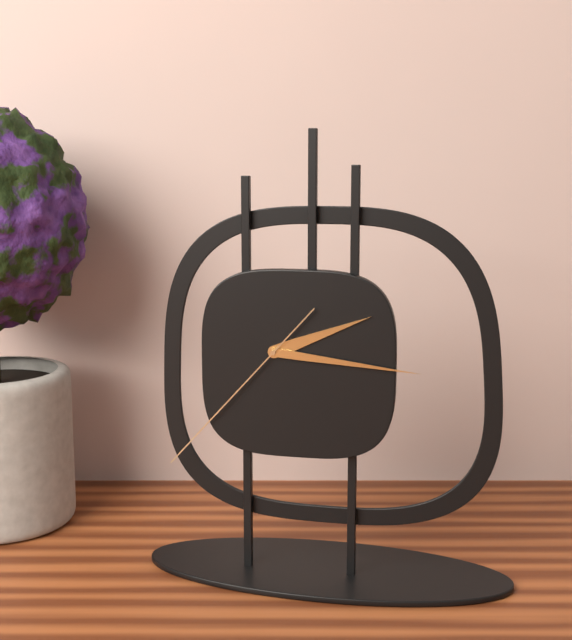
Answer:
**2:16:37**
